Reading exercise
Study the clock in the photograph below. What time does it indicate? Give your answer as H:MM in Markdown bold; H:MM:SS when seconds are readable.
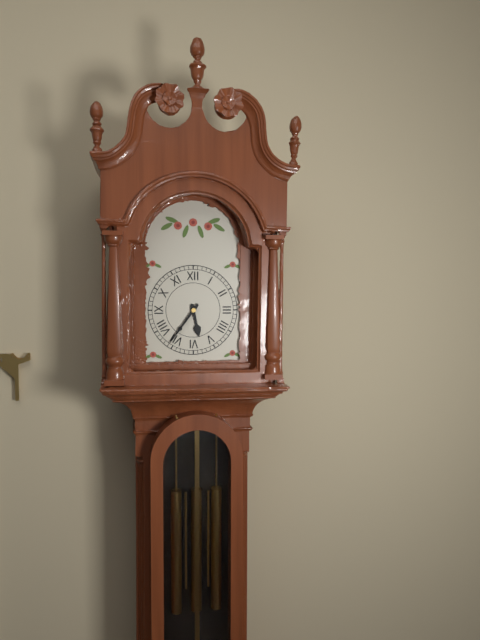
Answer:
**5:36**
